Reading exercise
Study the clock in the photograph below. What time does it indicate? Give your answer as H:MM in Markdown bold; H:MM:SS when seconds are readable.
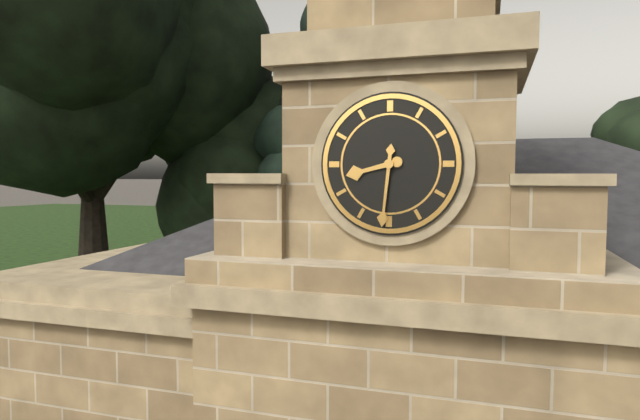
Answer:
**8:31**
